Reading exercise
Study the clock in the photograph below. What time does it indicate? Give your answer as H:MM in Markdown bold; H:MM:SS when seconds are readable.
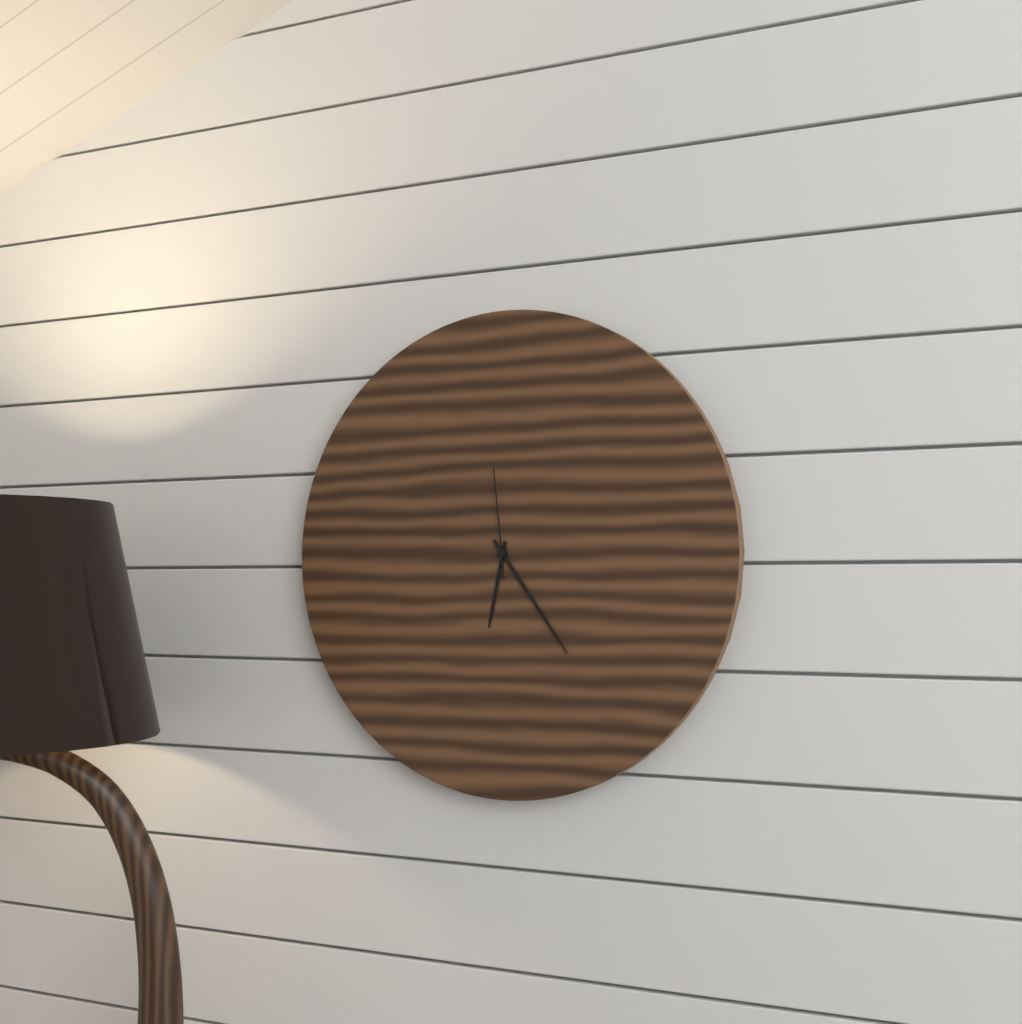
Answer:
**6:24:59**
